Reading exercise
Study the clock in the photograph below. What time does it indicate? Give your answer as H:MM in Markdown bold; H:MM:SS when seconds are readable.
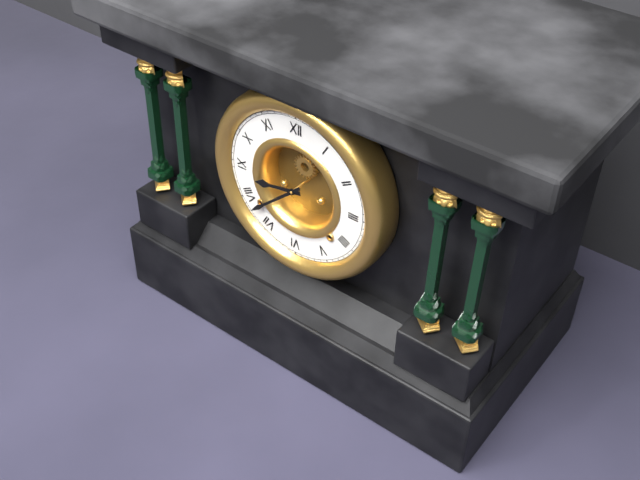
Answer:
**8:38**
